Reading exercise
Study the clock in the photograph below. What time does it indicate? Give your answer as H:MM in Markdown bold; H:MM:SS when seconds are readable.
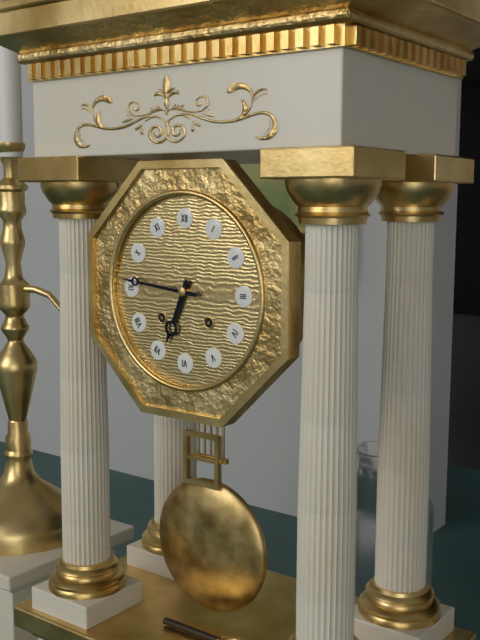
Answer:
**6:46**
